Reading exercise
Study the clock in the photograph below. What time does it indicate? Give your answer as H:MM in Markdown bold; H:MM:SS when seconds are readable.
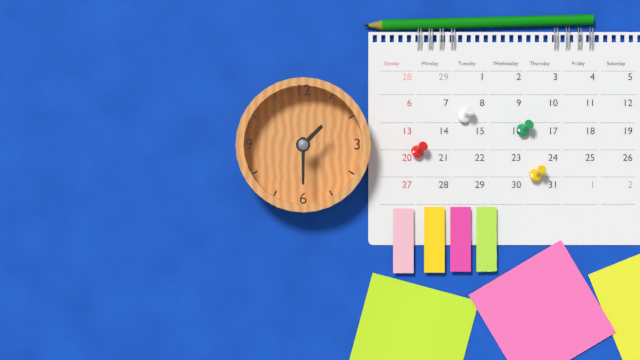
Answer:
**1:30**
